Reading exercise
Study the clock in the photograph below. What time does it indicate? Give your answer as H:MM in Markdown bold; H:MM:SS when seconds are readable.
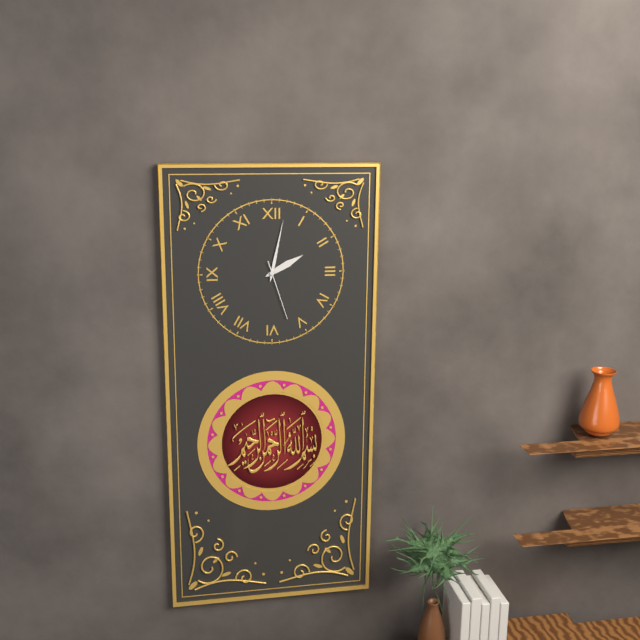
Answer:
**2:02:27**
